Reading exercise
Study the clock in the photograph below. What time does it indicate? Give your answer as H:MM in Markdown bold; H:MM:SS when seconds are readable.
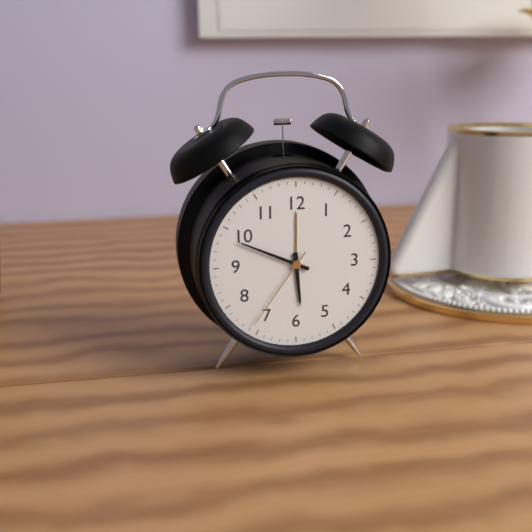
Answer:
**5:49:36**
